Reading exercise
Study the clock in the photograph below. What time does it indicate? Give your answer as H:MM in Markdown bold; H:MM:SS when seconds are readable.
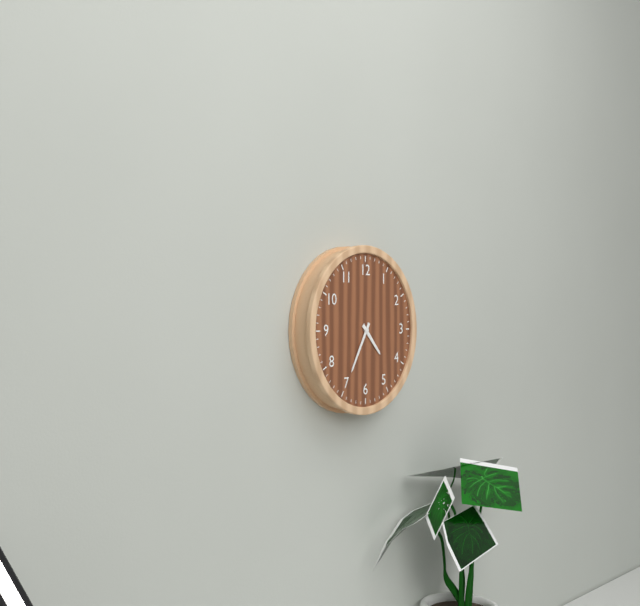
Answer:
**4:35**
